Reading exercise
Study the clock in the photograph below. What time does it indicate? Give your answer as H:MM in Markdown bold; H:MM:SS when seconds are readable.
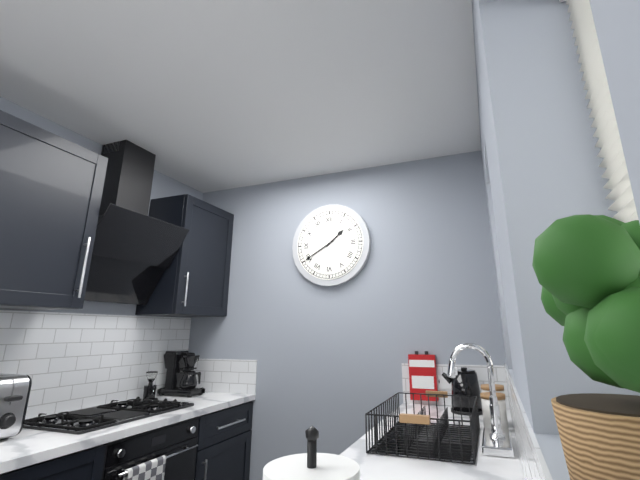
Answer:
**1:40**
